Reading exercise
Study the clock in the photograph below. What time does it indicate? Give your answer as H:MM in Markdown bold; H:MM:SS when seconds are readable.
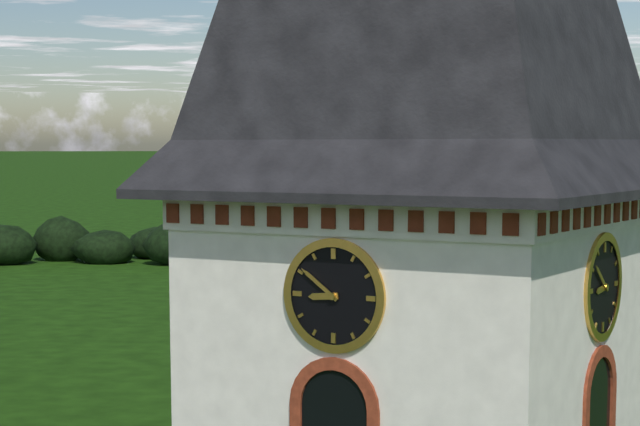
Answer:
**8:51**
